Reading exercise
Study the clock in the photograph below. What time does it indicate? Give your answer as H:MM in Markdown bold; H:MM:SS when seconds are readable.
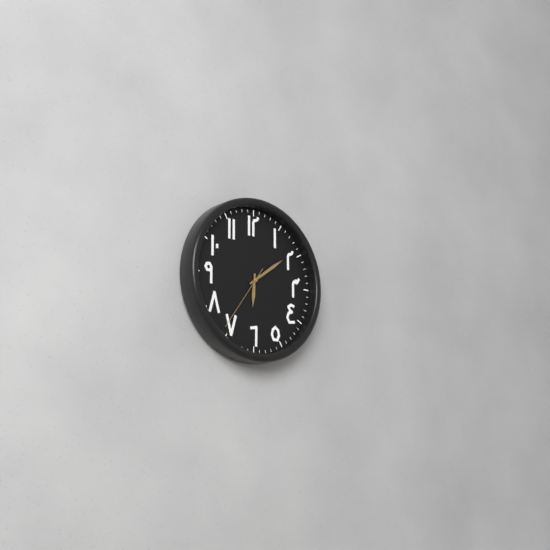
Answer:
**6:09:36**
